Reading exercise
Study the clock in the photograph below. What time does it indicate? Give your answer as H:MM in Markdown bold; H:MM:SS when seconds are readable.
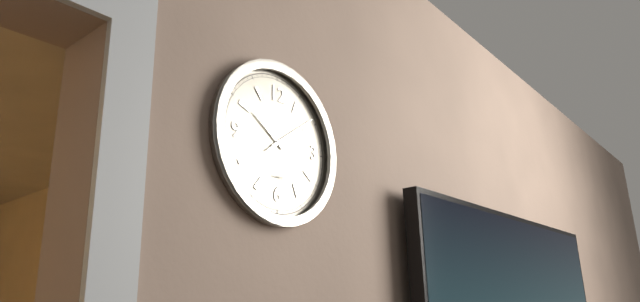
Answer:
**10:09:09**
